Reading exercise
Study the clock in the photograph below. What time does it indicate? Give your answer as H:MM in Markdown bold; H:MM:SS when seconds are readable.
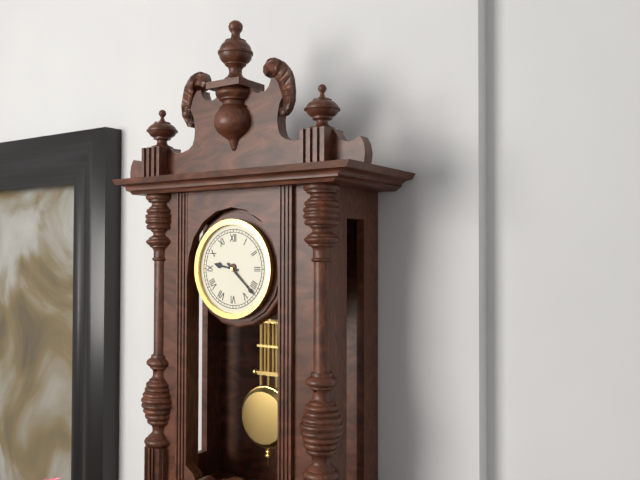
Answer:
**9:22**
